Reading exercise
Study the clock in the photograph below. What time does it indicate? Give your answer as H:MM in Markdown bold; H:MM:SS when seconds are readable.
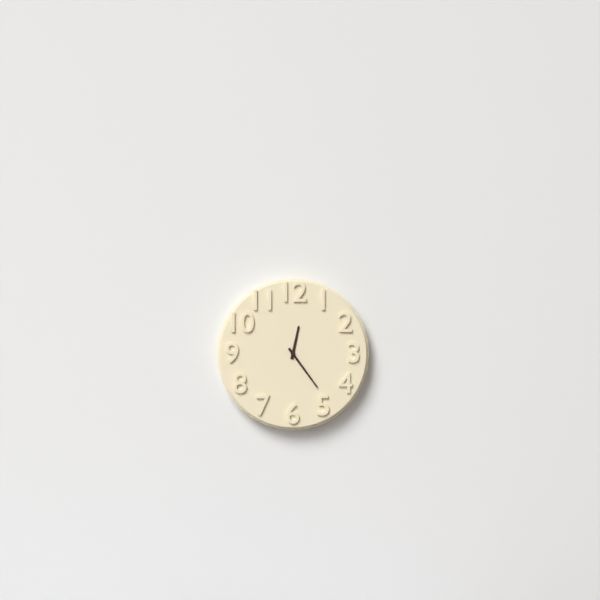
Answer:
**12:24**
